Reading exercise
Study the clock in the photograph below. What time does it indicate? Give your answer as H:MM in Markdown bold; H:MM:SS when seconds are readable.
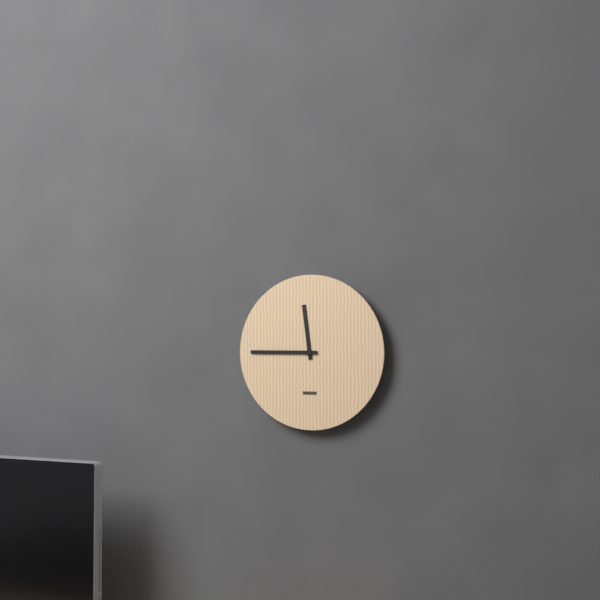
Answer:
**11:45**
